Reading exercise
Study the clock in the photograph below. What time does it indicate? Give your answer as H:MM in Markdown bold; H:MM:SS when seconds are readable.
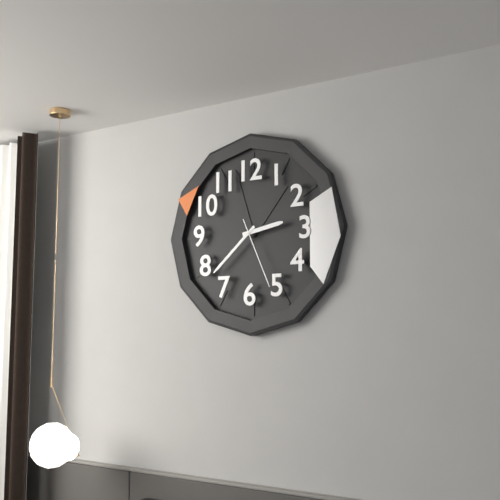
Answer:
**2:38:26**
